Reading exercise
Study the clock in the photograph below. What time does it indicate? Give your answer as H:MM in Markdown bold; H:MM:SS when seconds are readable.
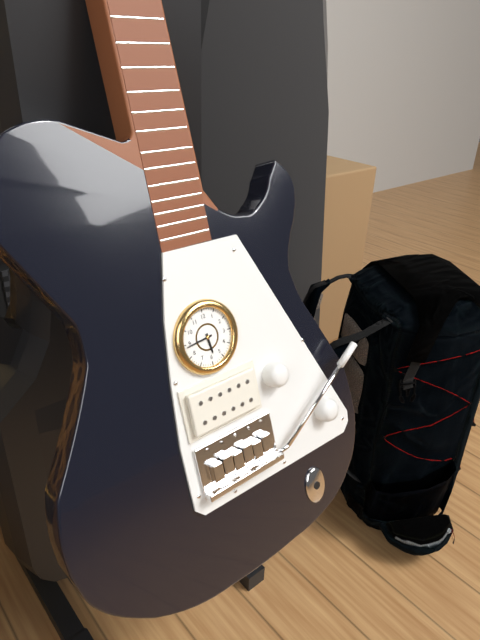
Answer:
**5:44**
